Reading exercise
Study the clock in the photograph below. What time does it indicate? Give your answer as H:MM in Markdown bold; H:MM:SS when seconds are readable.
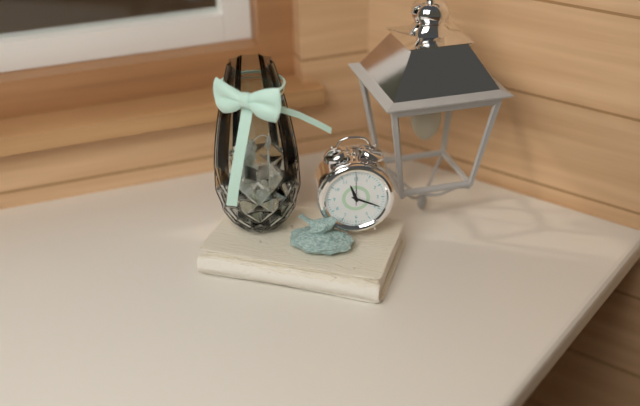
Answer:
**11:19**
